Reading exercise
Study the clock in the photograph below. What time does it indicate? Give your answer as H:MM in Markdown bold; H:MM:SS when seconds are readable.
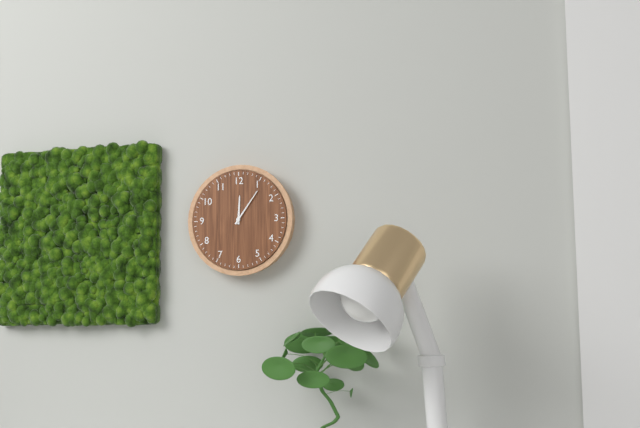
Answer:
**12:06**
